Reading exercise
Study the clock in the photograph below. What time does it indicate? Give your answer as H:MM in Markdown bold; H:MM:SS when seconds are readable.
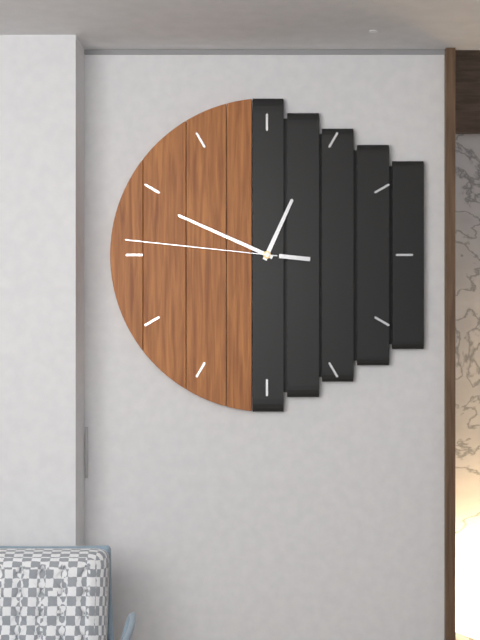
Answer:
**12:49:46**
